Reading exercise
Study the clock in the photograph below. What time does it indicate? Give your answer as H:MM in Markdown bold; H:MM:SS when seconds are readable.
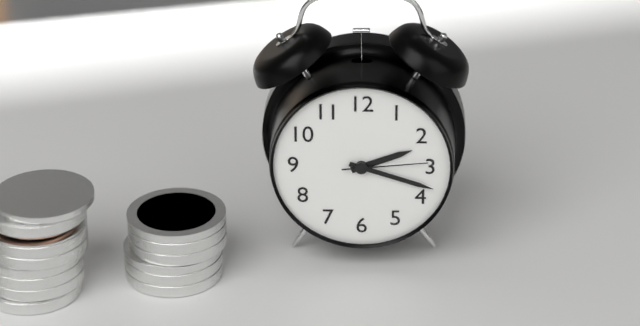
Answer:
**2:18:14**
